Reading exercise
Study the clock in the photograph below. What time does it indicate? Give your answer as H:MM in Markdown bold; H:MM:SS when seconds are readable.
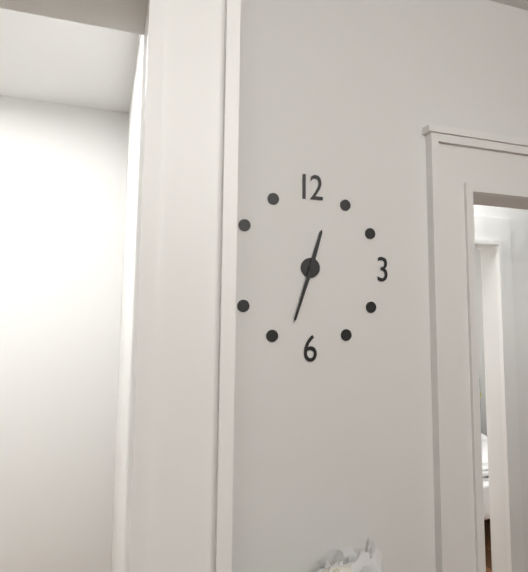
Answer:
**12:33**
